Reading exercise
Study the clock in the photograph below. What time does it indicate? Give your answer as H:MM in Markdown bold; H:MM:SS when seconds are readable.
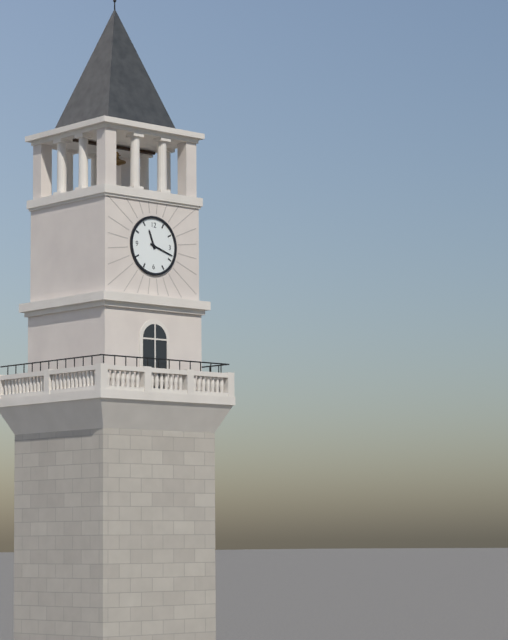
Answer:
**11:18**
